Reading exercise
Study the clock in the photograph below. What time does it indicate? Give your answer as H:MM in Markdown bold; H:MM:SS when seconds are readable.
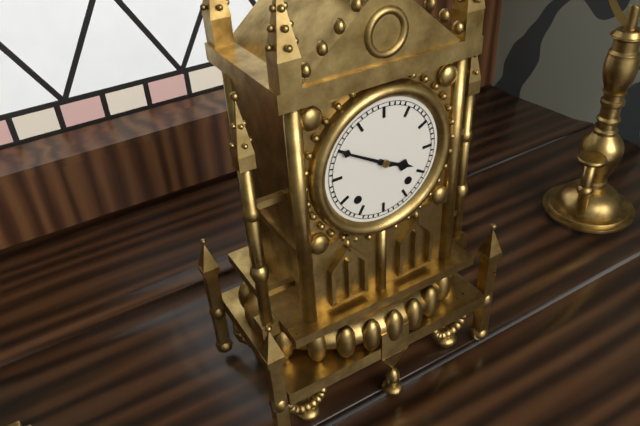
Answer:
**3:50**
